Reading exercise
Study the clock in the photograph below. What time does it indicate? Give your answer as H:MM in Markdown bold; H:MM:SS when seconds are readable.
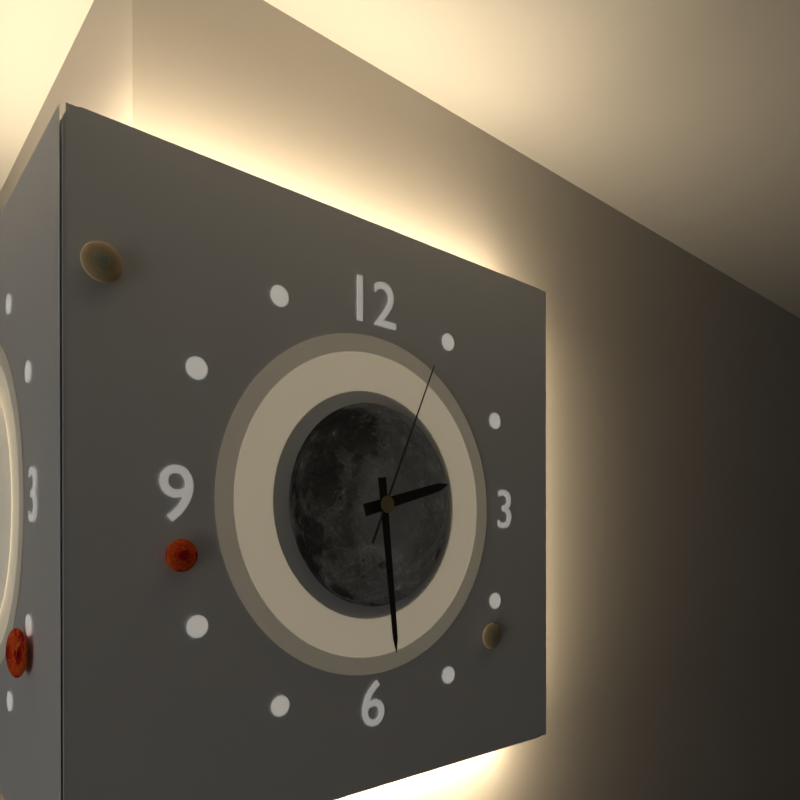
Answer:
**2:29:04**
